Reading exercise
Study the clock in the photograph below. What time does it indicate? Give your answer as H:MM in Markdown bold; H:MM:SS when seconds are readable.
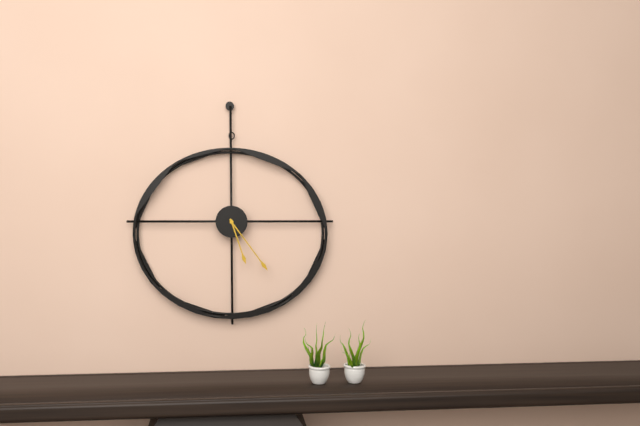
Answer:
**5:24**
